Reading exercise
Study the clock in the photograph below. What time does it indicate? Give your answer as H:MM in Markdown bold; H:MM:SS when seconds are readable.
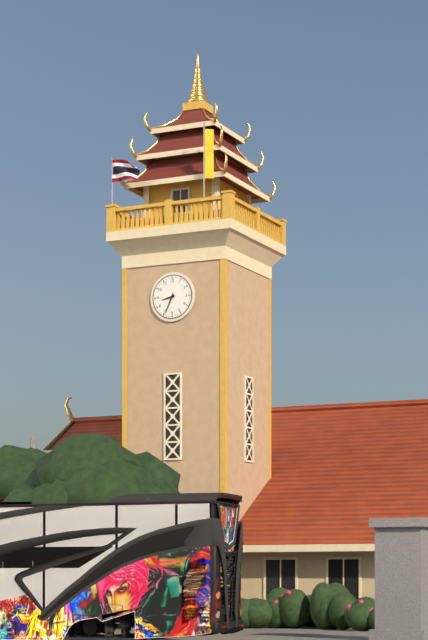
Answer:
**8:34**
